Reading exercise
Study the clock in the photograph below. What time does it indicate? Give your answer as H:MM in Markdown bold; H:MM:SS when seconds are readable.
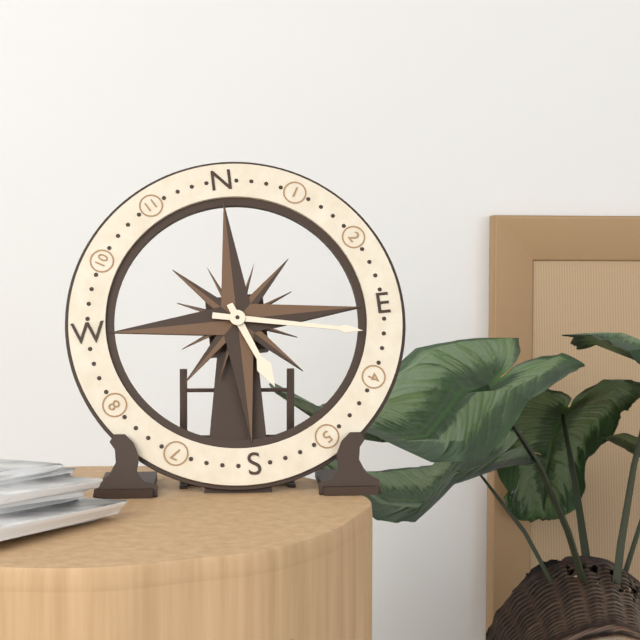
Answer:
**5:17**
